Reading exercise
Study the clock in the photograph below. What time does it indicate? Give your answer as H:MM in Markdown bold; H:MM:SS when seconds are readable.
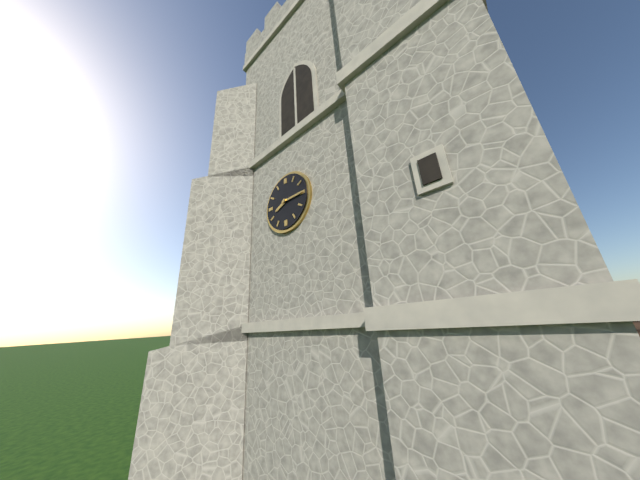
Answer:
**8:15**
